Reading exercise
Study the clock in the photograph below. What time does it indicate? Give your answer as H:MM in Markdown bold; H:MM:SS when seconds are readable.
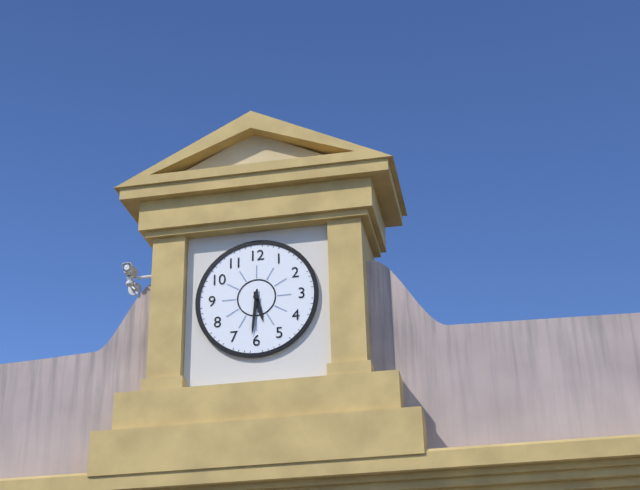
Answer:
**5:31**
